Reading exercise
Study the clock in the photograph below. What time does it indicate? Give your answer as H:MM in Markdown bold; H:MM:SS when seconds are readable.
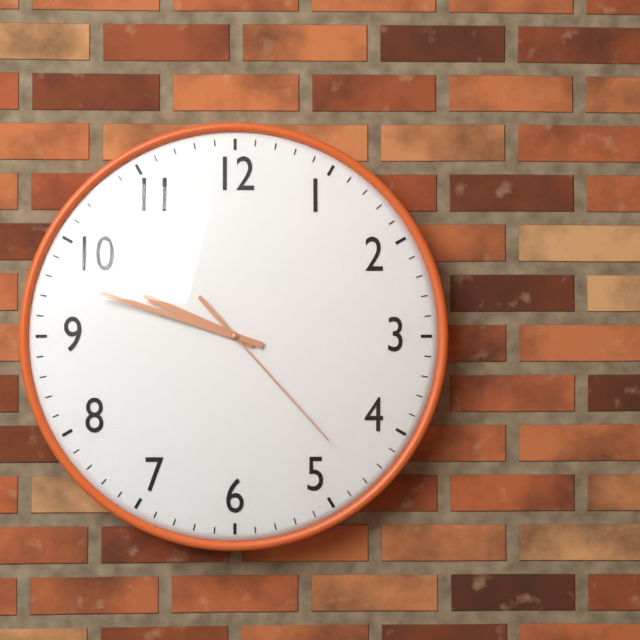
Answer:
**9:48:23**
